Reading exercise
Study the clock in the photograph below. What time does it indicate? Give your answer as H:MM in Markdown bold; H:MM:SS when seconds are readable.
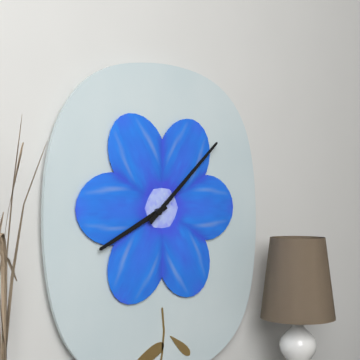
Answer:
**8:08**
